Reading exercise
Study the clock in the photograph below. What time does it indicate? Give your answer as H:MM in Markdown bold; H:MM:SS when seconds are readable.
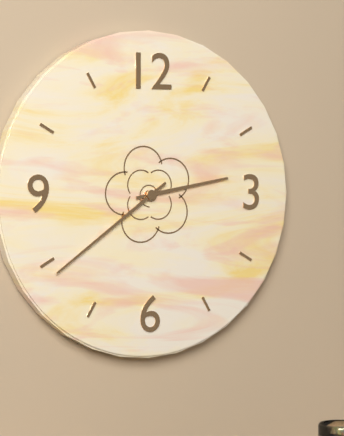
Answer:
**2:39**
